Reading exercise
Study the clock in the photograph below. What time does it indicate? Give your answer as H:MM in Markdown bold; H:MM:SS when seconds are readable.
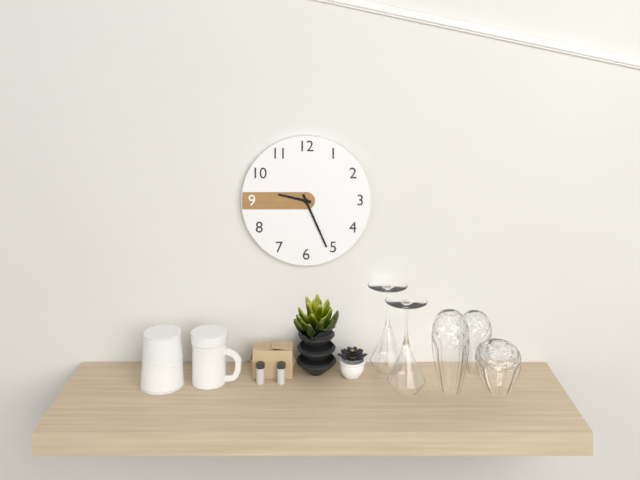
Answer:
**9:26**
